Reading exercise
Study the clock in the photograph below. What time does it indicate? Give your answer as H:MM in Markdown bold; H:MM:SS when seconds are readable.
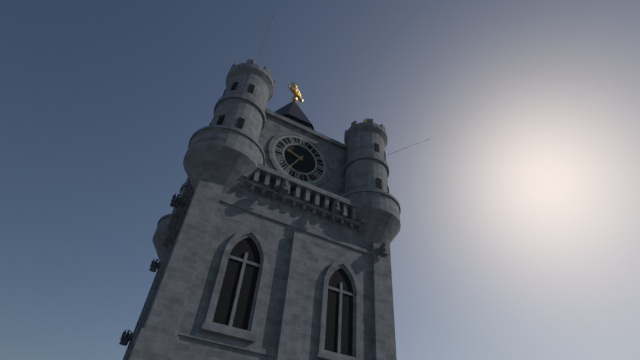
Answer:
**9:35**
